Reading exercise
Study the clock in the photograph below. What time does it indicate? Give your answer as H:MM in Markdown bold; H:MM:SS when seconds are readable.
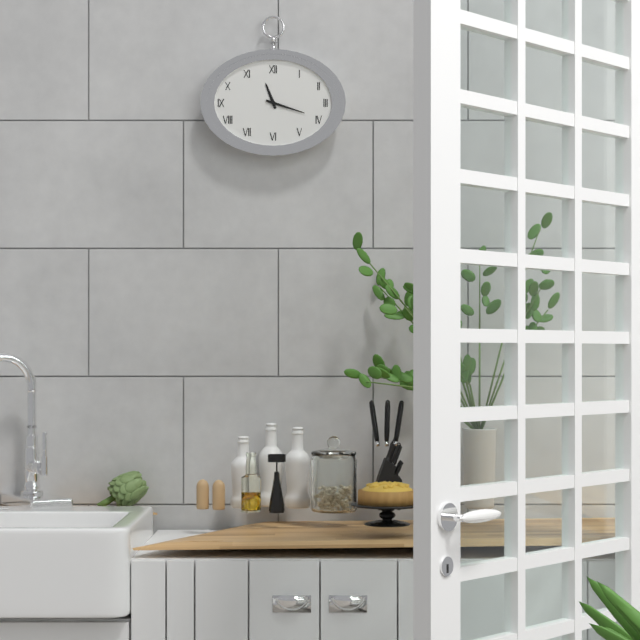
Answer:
**11:18**
